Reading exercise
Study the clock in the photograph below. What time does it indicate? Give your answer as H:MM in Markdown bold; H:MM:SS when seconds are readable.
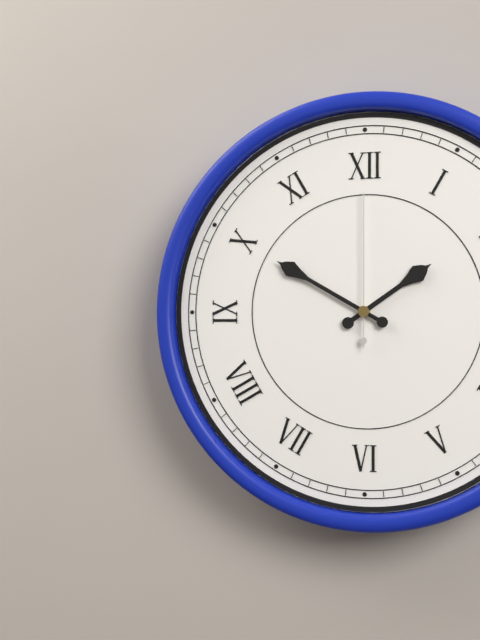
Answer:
**1:50:00**
